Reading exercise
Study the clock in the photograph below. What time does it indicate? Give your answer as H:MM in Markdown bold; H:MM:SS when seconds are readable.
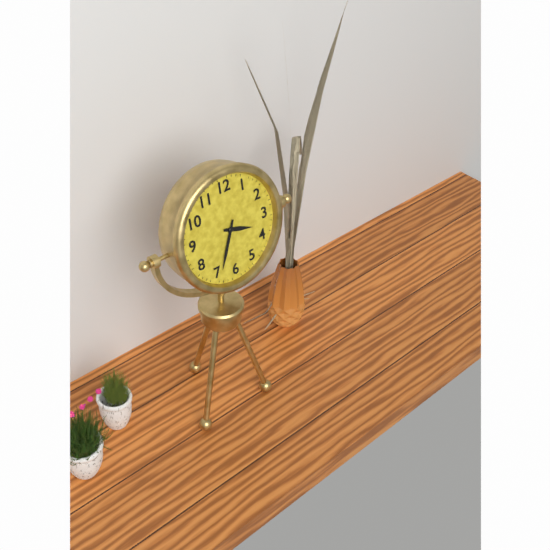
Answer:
**3:34**
